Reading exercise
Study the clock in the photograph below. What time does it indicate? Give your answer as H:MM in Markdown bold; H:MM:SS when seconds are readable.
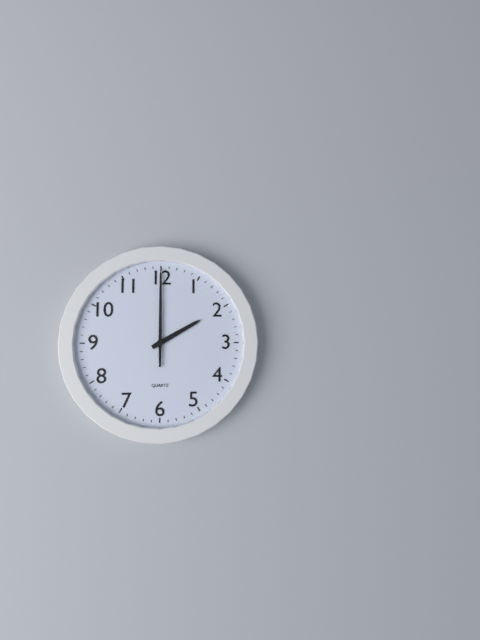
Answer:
**2:00**
